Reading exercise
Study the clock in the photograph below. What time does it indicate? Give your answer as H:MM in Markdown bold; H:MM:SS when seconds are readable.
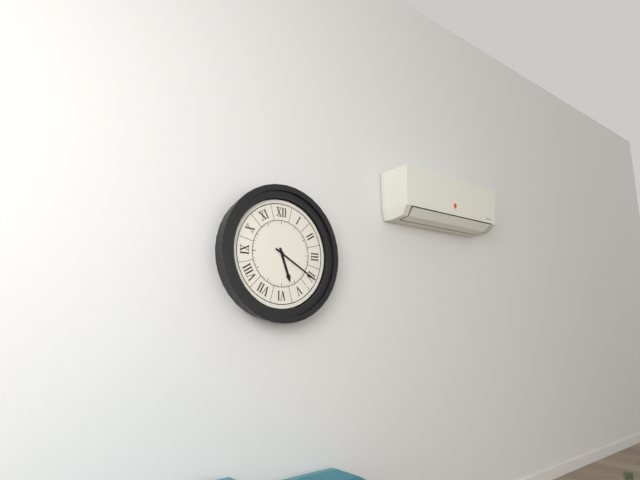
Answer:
**5:20**
